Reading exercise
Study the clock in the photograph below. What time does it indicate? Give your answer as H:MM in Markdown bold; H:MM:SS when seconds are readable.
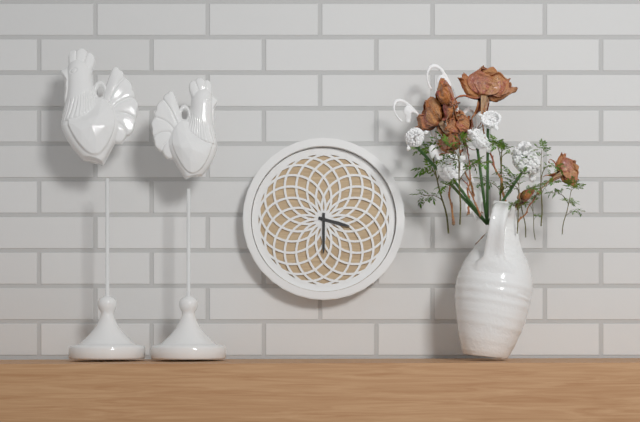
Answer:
**3:30**
